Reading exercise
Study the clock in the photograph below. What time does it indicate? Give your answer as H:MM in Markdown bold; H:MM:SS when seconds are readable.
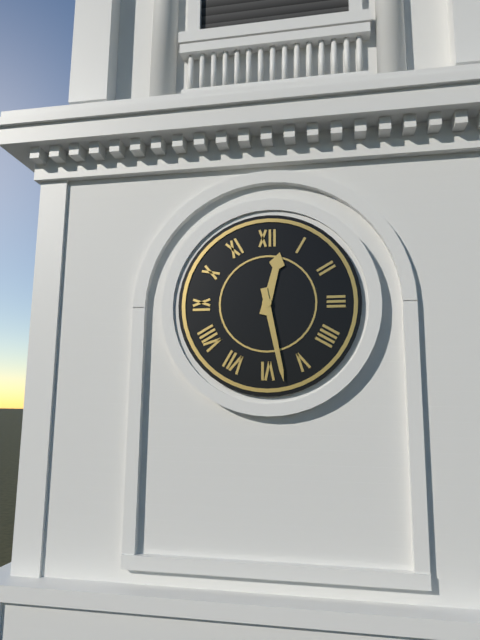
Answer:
**12:28**
